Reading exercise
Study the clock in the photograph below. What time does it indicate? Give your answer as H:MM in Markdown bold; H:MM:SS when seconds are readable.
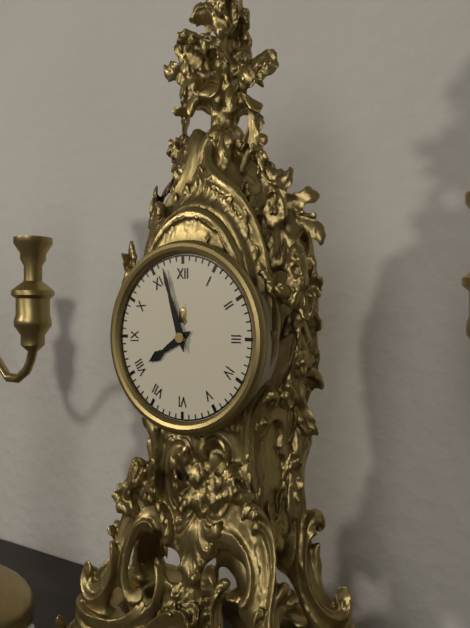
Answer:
**7:57**
